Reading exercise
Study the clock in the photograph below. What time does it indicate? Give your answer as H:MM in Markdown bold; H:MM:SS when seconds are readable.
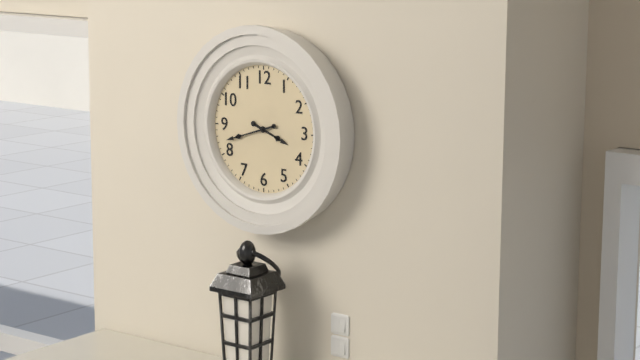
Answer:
**3:42**
